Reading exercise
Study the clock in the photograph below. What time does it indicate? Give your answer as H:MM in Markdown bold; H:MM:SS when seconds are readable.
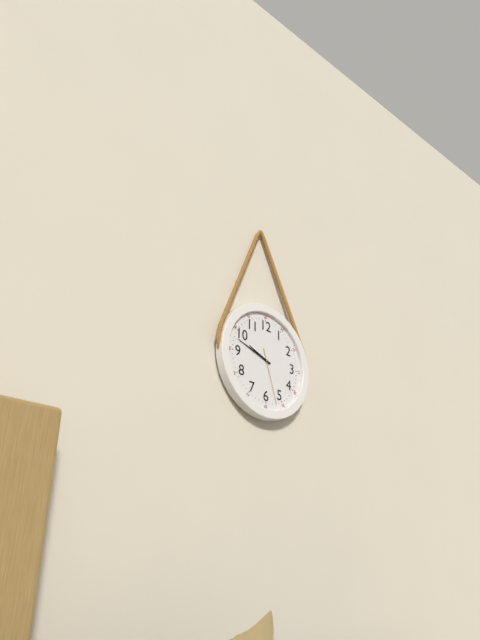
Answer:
**9:48:27**
